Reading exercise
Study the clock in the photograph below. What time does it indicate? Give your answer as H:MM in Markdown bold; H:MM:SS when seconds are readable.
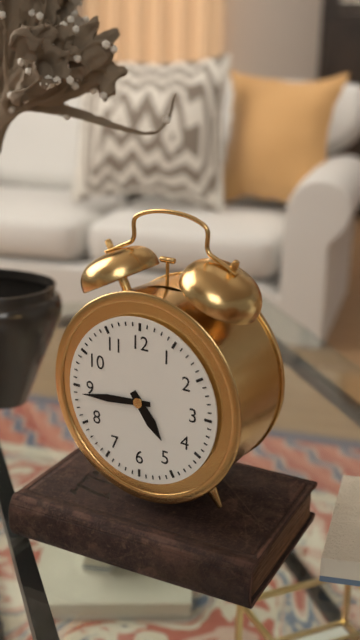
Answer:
**4:44**
